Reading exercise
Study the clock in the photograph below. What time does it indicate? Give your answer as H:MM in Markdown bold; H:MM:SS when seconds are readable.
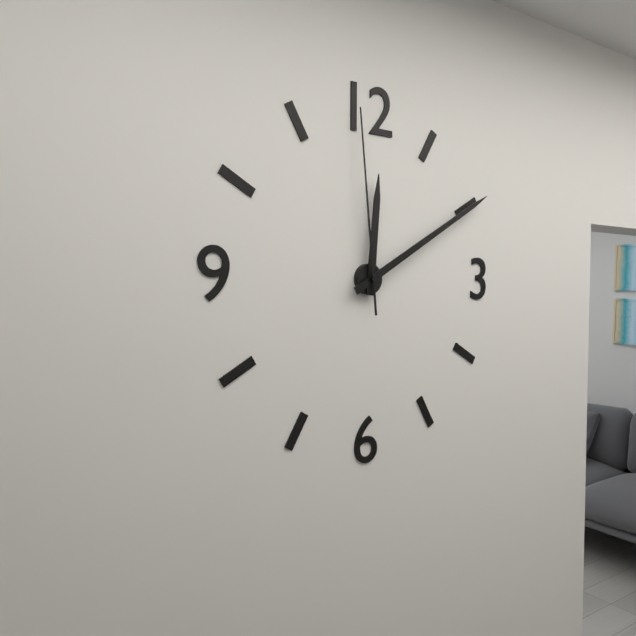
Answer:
**12:10:59**
